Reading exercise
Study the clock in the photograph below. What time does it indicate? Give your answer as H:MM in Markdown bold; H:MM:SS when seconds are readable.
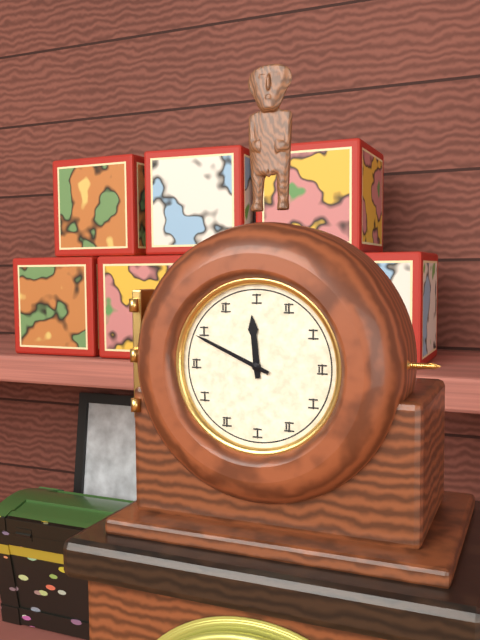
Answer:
**11:49**
